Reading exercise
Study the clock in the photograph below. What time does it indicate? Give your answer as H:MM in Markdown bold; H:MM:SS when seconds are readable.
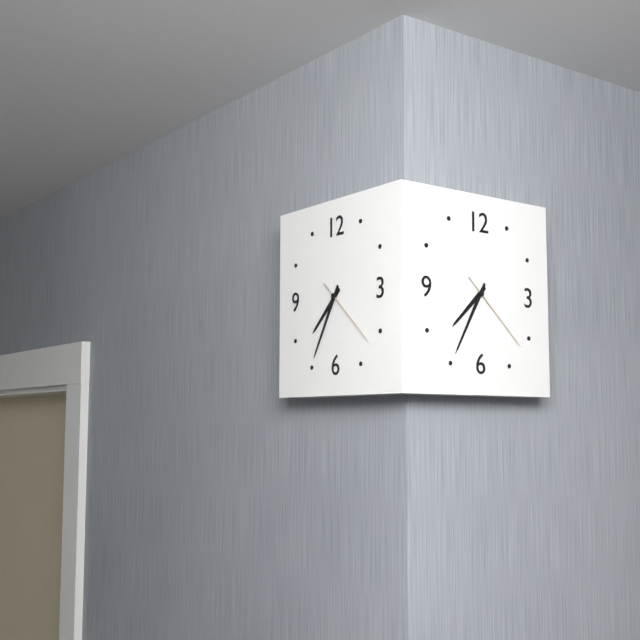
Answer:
**7:35:22**
